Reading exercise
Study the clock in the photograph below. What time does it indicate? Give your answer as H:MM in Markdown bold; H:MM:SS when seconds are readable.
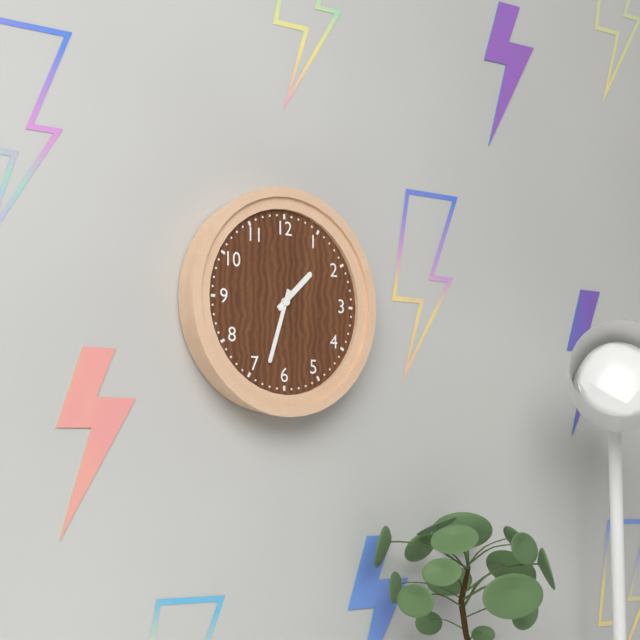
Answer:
**1:33**
